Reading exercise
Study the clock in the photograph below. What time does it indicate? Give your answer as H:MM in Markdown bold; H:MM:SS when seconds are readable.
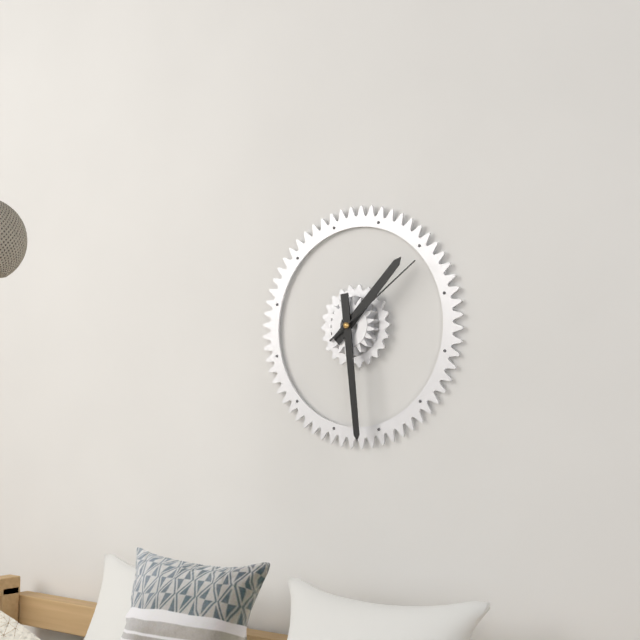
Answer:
**1:29:09**
